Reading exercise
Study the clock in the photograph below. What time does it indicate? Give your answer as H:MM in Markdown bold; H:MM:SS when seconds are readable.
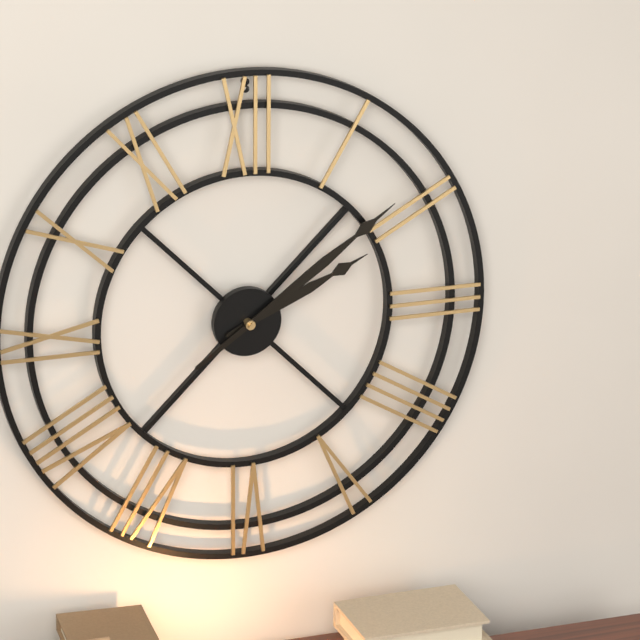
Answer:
**2:09**
